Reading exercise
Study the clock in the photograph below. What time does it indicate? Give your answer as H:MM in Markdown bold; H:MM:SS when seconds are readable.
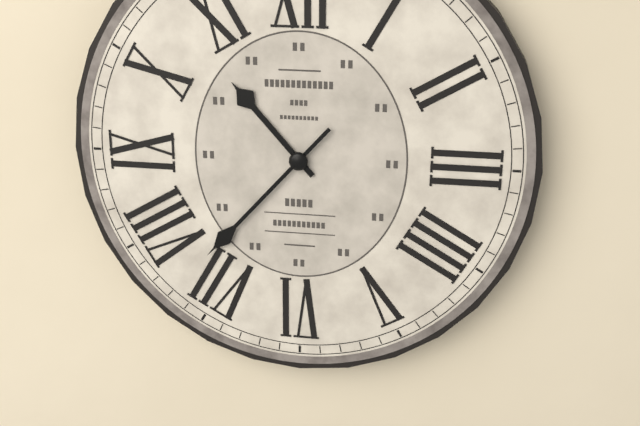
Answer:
**10:37**
